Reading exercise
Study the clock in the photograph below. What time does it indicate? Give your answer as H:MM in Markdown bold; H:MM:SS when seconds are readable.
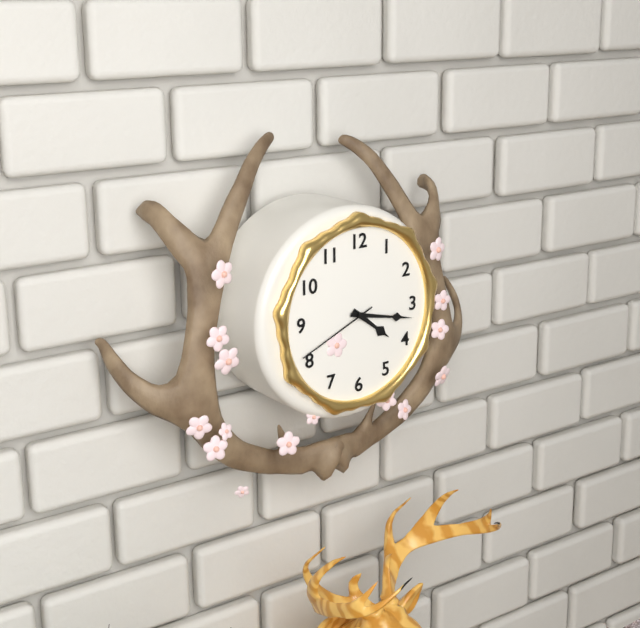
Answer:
**4:17:41**
